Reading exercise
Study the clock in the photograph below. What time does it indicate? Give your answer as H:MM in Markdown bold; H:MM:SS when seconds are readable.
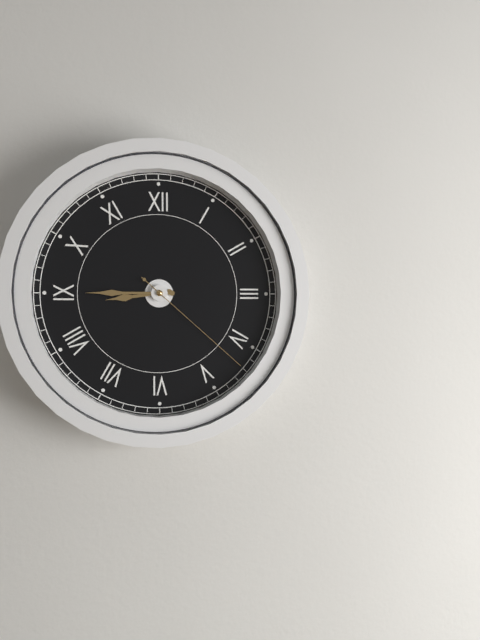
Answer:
**8:45:22**
